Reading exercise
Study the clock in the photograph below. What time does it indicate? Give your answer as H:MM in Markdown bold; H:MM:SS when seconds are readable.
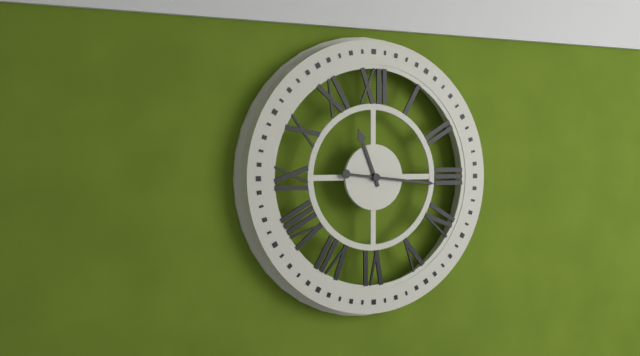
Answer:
**11:16**
